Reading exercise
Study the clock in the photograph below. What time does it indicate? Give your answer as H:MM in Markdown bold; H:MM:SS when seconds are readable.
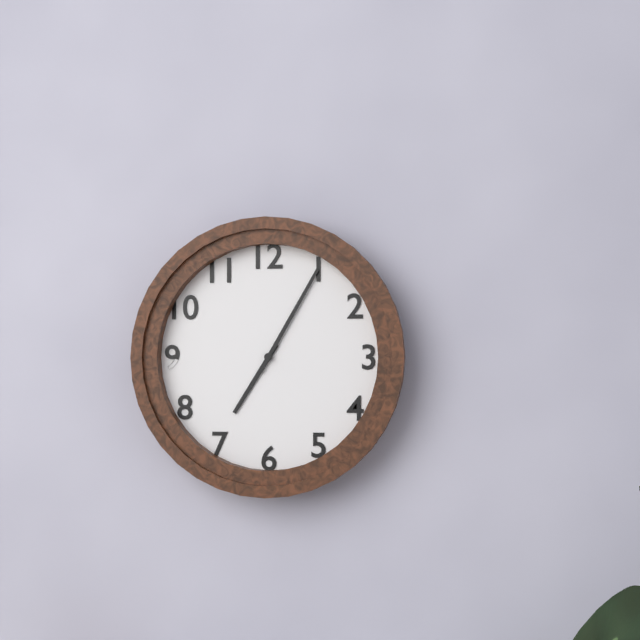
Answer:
**7:05**
